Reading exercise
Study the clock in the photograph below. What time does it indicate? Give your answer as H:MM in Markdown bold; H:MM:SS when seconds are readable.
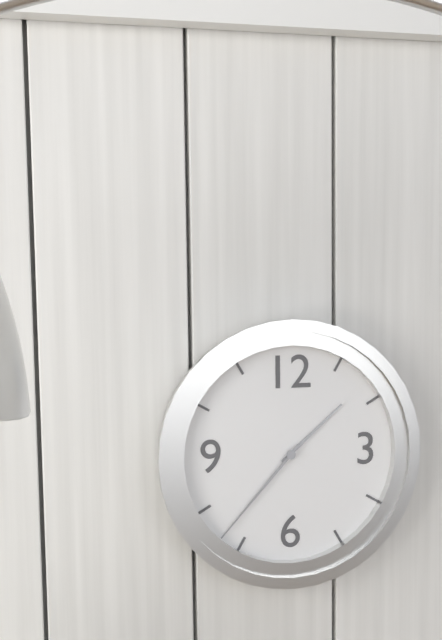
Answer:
**1:37**
